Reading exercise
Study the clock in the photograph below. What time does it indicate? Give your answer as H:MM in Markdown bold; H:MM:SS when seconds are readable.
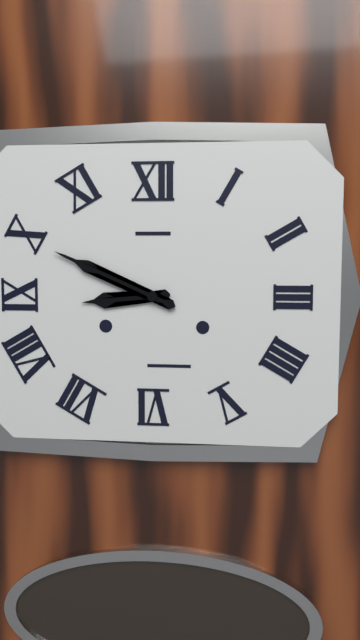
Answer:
**8:49**
